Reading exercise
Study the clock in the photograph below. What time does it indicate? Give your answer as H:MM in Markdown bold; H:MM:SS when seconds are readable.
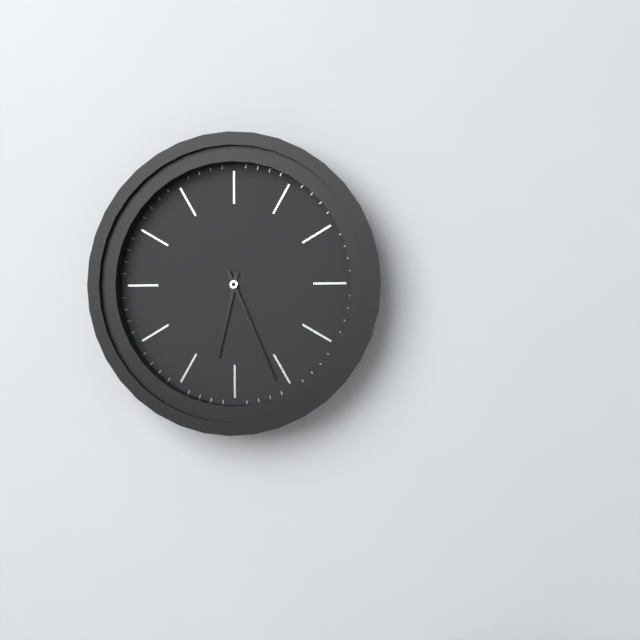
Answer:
**6:26**
